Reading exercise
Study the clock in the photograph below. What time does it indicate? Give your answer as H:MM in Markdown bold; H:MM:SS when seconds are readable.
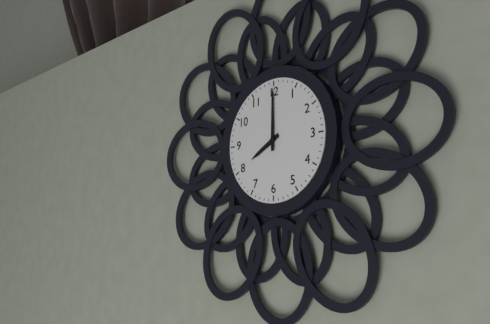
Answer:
**8:00**
